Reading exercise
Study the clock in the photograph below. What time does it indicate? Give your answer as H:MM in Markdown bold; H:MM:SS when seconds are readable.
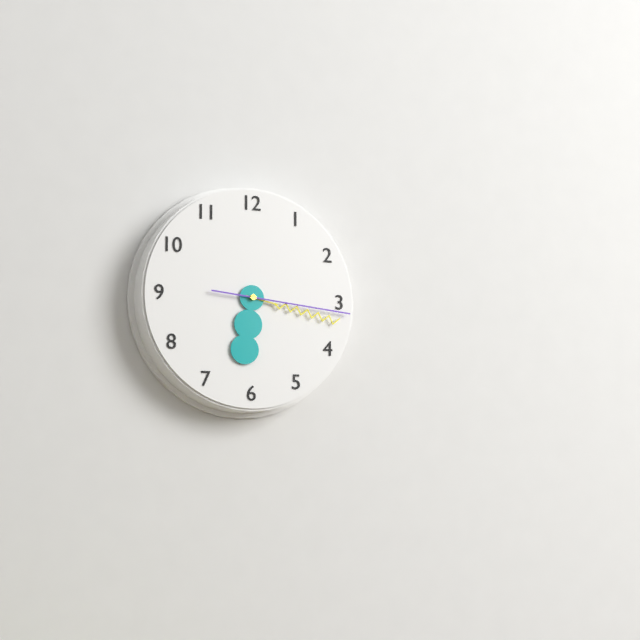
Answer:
**6:17:16**
